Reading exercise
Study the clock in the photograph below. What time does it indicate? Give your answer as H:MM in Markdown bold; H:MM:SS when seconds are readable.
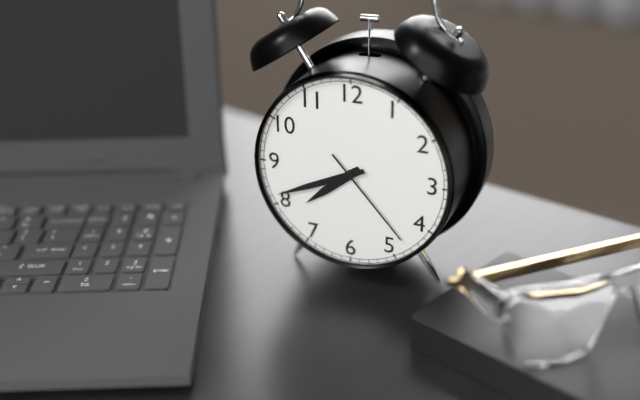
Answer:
**7:41:23**
